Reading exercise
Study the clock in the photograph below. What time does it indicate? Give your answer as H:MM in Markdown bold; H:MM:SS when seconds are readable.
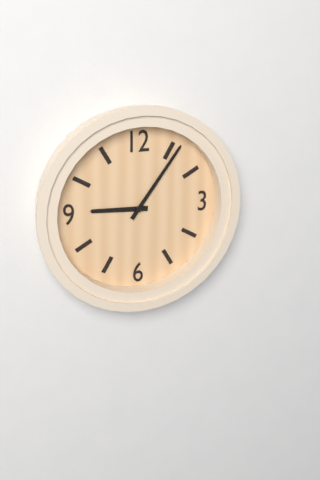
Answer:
**9:06**
